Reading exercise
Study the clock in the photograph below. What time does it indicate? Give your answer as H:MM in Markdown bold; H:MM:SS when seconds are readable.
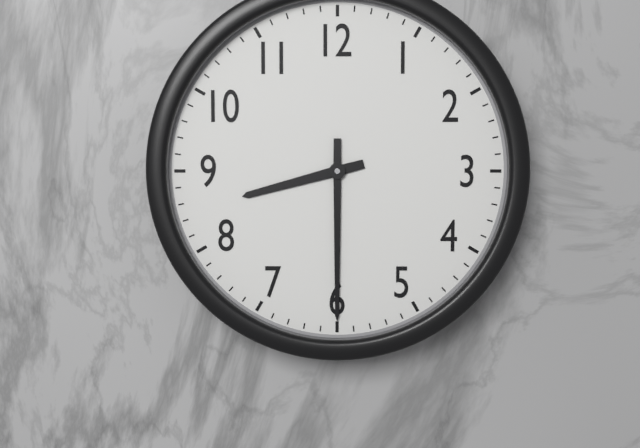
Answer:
**8:30**
